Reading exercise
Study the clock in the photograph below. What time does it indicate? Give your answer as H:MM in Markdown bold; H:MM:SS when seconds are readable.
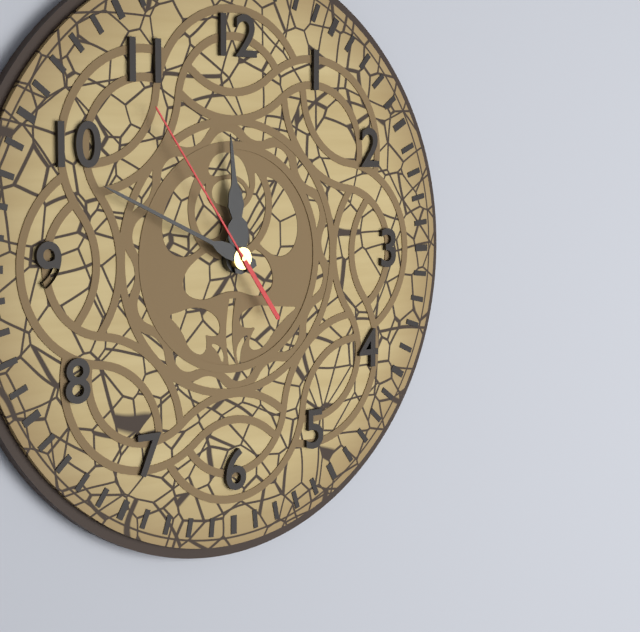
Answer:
**11:49:54**
